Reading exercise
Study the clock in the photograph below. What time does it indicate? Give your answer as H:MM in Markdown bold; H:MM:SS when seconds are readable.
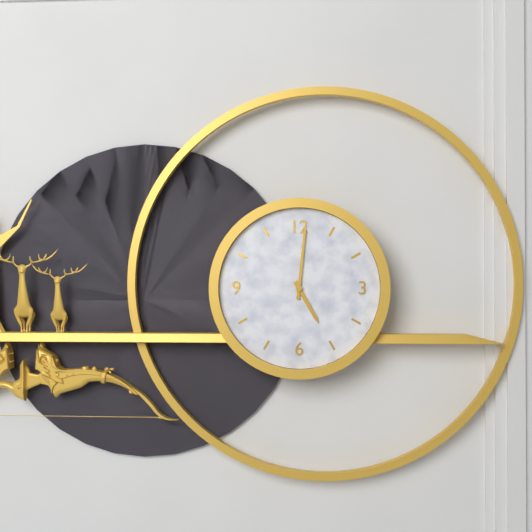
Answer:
**5:01**
